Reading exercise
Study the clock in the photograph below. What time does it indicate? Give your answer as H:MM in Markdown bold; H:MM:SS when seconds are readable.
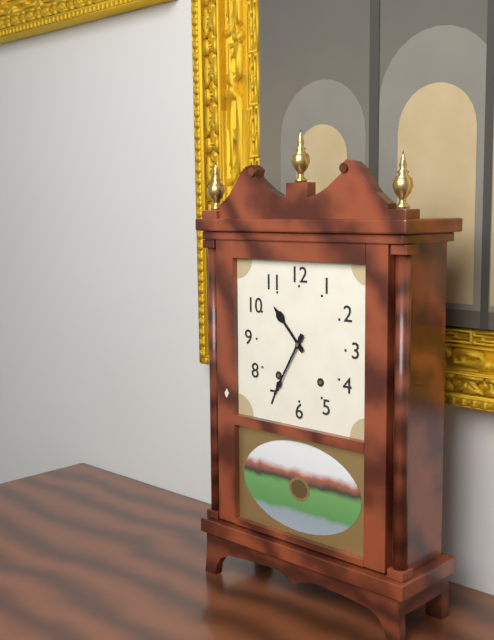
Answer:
**10:35**
